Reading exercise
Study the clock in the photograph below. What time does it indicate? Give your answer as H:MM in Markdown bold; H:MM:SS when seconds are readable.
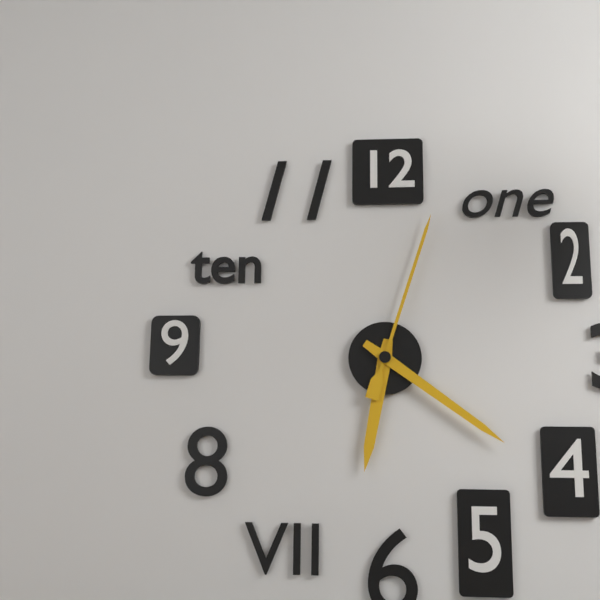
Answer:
**6:21:03**
